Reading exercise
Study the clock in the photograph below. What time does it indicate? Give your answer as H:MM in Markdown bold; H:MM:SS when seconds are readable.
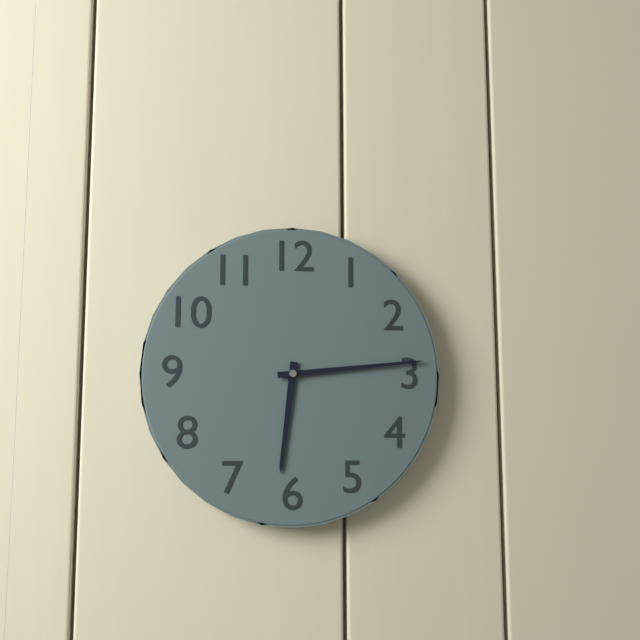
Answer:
**6:14**
